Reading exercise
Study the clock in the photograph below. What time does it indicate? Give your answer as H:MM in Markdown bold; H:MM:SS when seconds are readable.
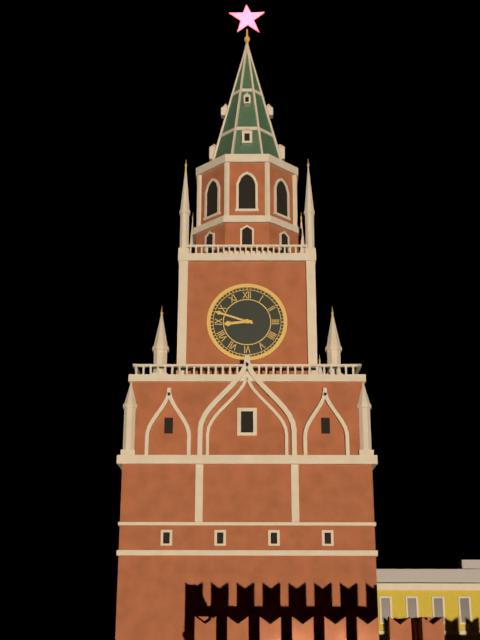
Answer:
**8:48**
